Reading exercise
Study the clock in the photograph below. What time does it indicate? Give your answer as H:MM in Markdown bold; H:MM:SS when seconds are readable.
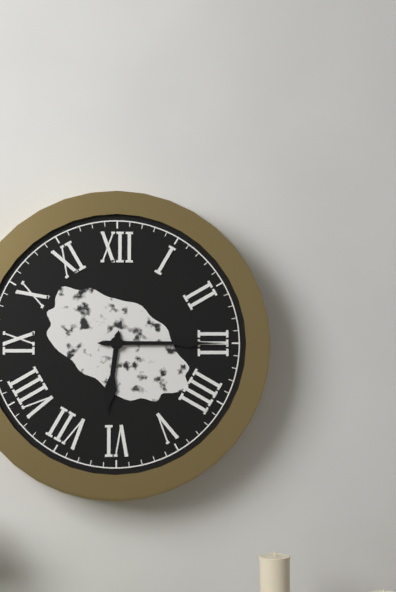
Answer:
**6:15**
